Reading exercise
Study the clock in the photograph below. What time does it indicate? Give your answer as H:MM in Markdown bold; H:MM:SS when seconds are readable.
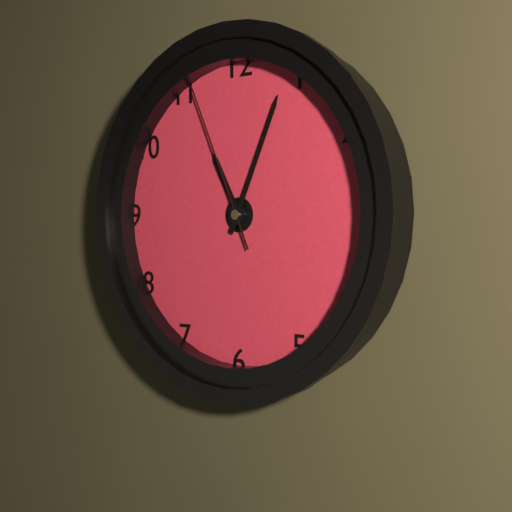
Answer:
**11:04:56**
